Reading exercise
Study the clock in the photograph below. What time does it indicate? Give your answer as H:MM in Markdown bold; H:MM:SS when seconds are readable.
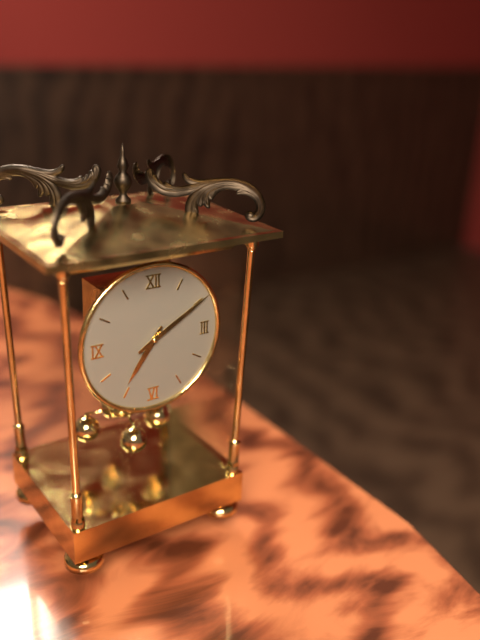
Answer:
**7:10**
